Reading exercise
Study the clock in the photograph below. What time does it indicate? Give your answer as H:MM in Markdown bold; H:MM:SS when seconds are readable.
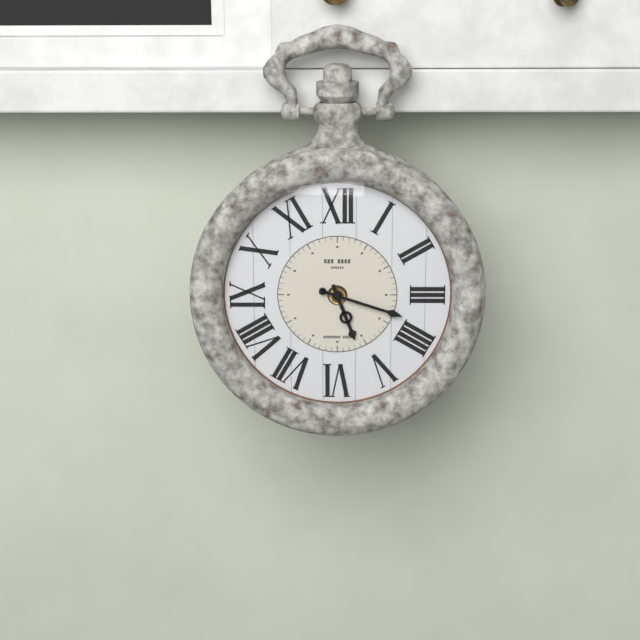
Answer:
**5:18**
